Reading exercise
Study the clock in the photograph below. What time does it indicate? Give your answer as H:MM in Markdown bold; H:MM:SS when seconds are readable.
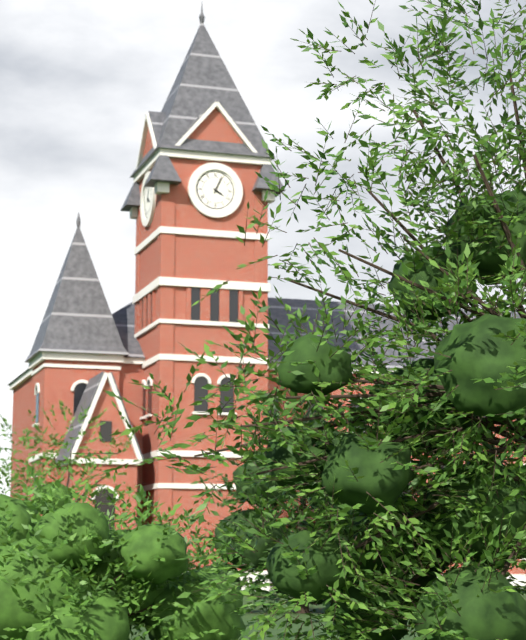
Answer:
**4:04**
